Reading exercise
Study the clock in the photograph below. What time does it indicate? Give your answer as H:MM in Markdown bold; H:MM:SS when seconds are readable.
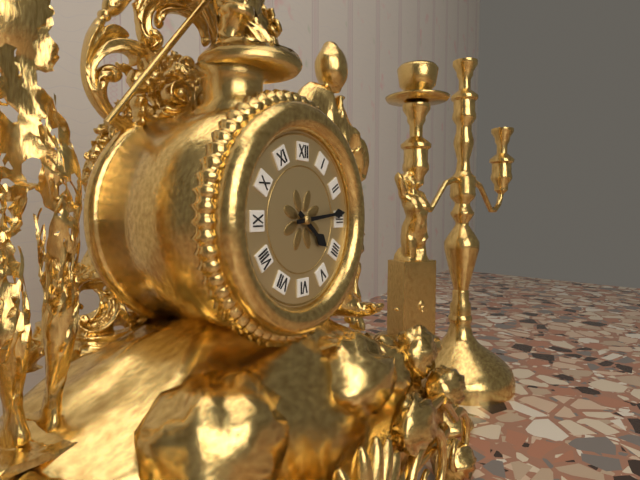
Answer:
**4:14**
